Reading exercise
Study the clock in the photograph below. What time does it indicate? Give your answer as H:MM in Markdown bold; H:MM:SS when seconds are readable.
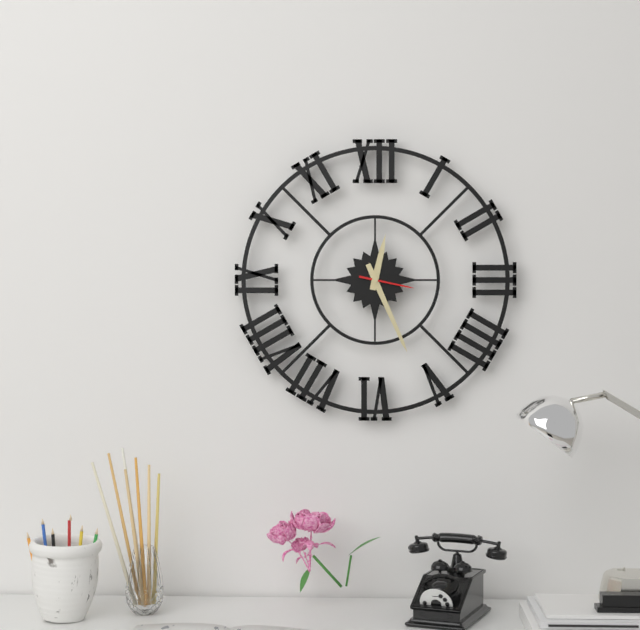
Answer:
**12:26:17**
